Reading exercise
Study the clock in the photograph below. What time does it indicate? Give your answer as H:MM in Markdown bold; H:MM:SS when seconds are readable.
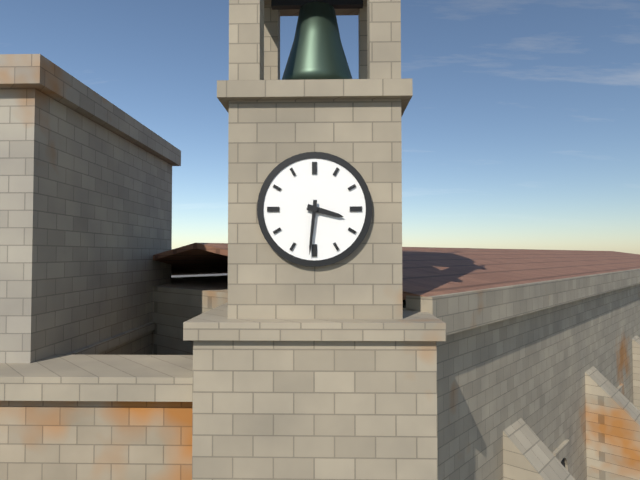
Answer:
**3:31**
